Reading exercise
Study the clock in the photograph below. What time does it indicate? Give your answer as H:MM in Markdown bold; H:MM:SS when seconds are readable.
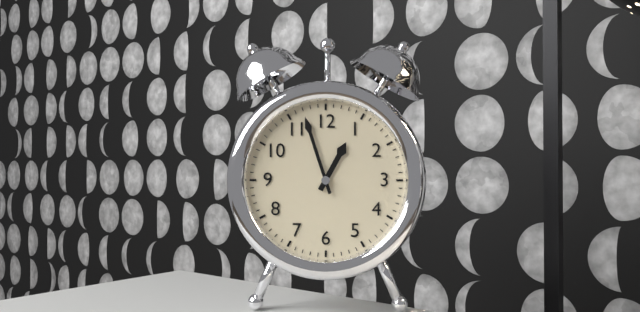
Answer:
**12:57**
